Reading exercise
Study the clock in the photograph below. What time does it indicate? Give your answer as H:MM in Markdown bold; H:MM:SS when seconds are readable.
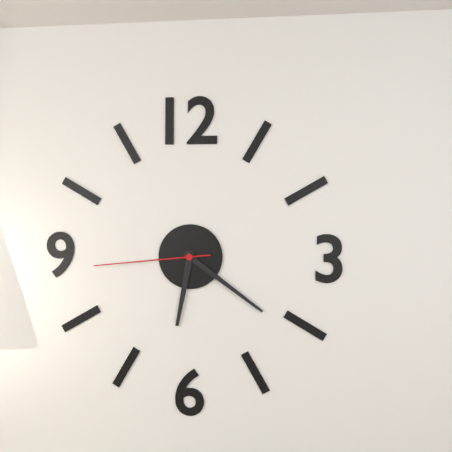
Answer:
**6:21:44**
